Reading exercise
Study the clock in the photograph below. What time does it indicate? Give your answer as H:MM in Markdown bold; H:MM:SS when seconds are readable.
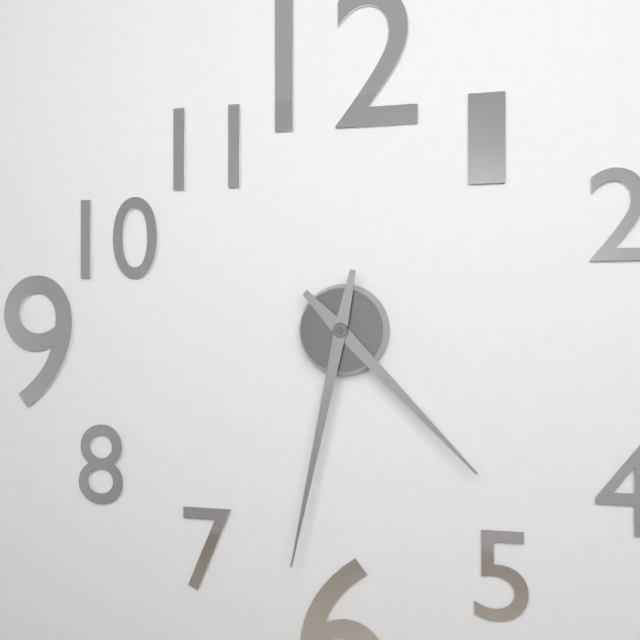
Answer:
**4:32**
